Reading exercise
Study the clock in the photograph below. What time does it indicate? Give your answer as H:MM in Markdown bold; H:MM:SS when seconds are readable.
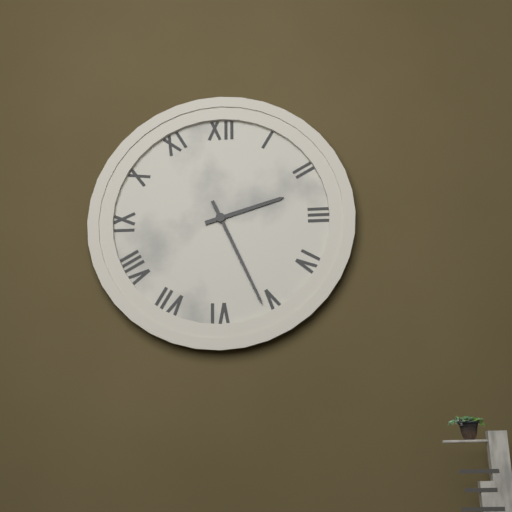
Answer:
**2:26**
